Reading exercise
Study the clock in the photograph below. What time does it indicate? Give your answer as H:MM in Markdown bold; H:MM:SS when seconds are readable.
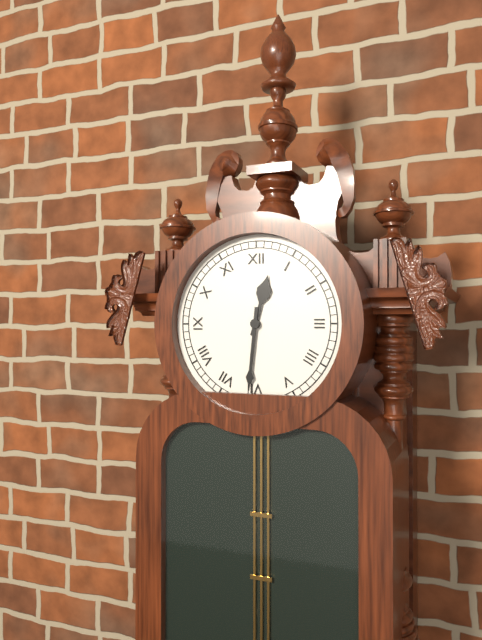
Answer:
**12:31**
